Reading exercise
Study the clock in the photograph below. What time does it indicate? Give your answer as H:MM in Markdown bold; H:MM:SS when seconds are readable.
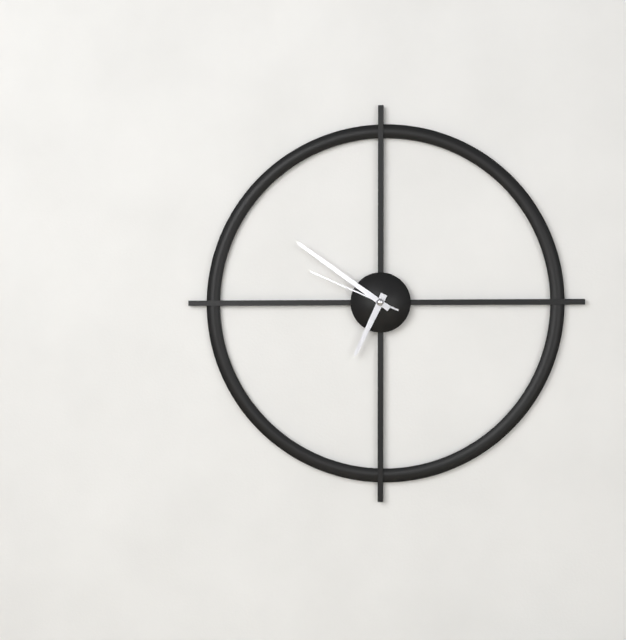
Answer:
**6:51:49**
